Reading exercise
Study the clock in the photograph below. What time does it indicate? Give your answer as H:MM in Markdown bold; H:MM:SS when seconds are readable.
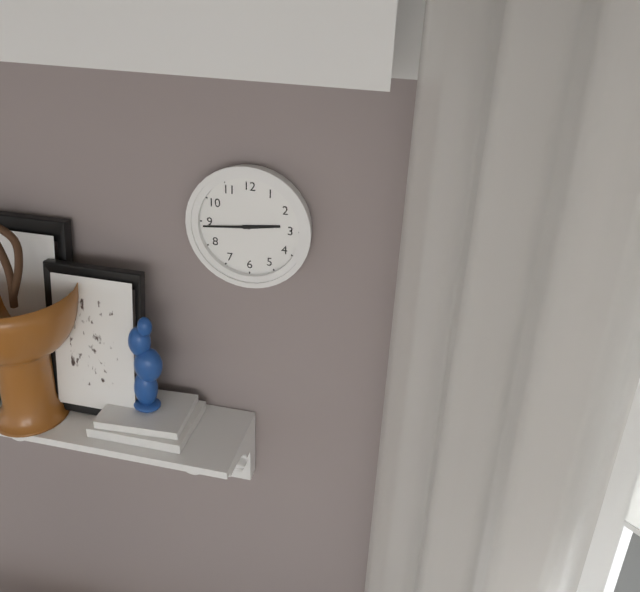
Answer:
**2:44**
